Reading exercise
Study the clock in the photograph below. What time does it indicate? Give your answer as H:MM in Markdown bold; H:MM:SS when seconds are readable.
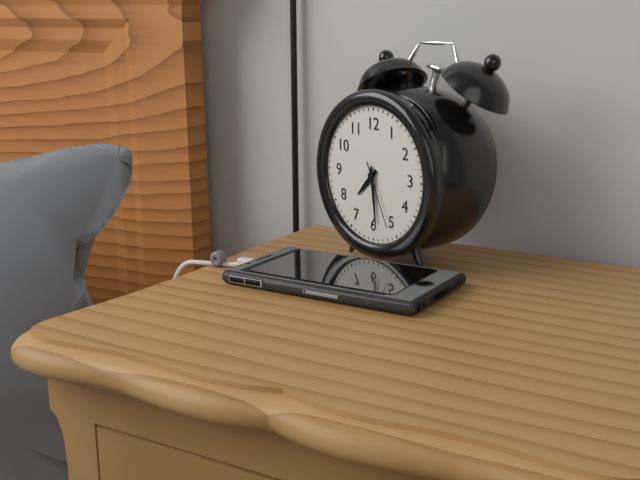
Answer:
**7:29:26**
